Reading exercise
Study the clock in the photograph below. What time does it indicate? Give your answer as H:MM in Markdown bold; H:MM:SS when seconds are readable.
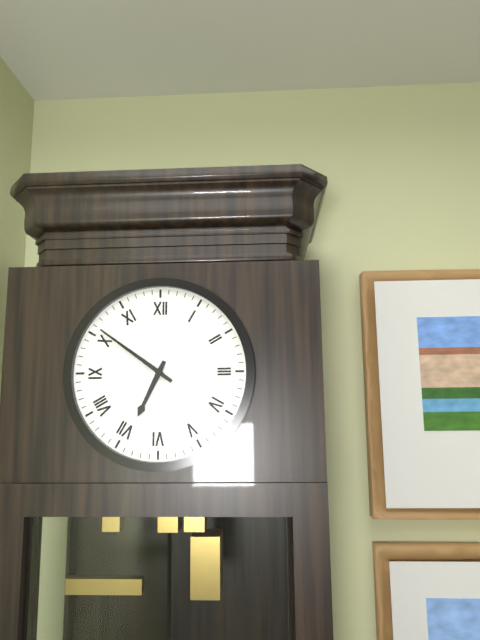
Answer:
**6:51**
